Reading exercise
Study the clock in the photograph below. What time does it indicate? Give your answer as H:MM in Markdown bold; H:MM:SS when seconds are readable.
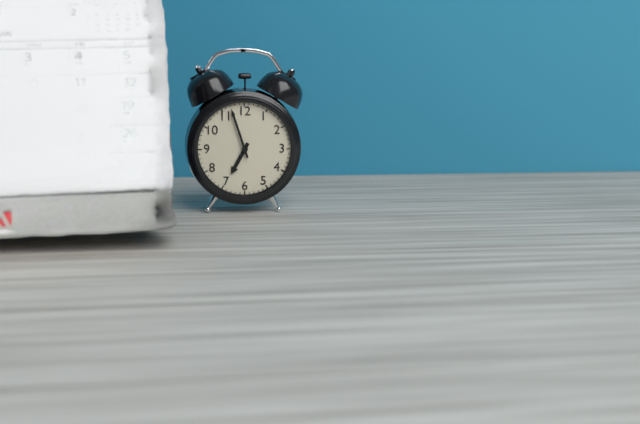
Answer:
**6:57**
